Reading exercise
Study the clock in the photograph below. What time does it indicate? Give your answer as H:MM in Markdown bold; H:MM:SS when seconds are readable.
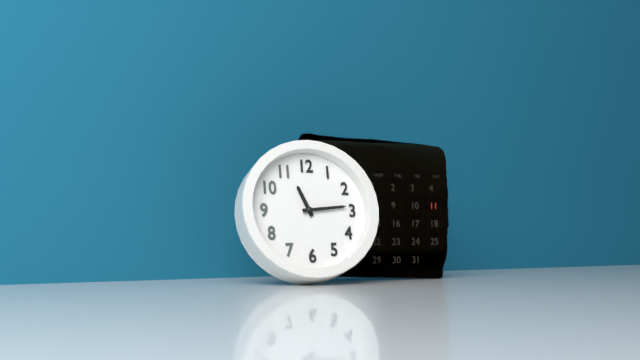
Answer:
**11:14**
